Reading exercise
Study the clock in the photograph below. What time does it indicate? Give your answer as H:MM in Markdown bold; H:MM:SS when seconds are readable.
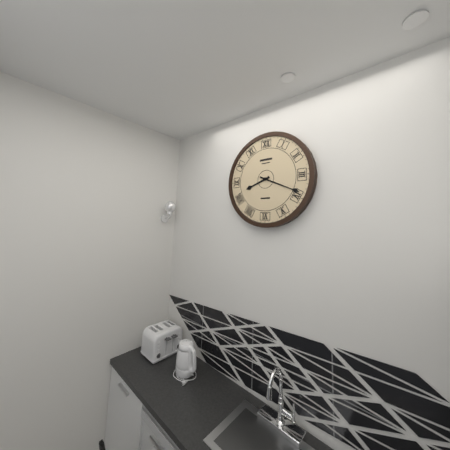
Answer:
**8:19**
